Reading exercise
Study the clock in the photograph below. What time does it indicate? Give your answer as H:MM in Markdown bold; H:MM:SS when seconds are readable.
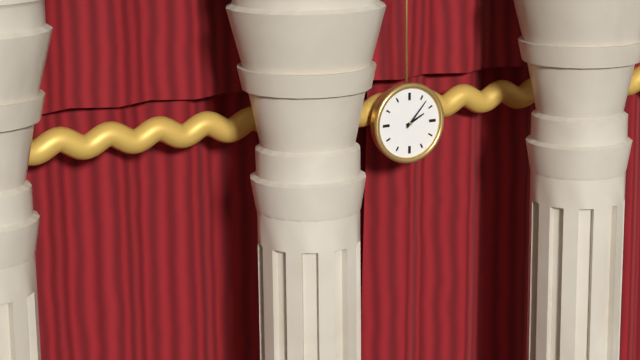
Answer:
**2:07**
